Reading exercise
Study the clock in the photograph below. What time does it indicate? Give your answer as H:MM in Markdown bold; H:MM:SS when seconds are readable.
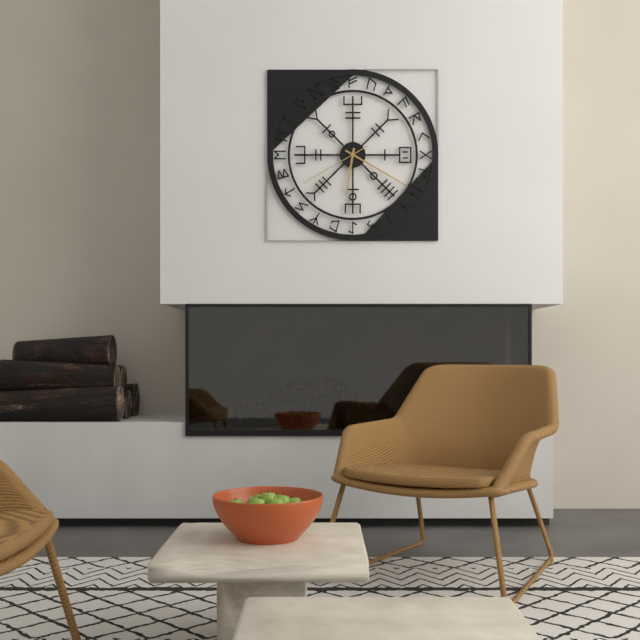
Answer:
**6:20:40**
